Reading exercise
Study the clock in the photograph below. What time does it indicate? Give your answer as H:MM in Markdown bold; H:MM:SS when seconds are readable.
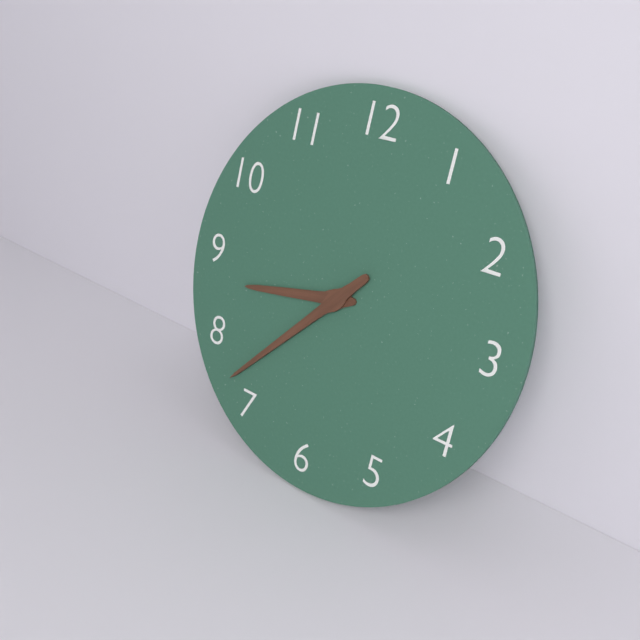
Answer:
**8:37**
